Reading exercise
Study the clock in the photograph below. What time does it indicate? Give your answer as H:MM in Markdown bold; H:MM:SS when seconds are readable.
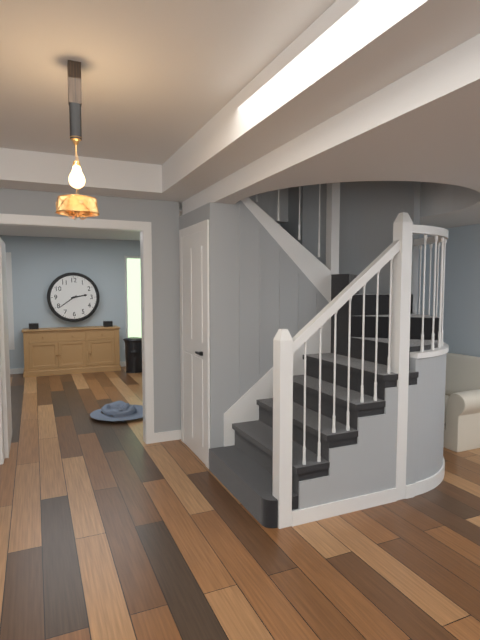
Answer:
**2:39**
